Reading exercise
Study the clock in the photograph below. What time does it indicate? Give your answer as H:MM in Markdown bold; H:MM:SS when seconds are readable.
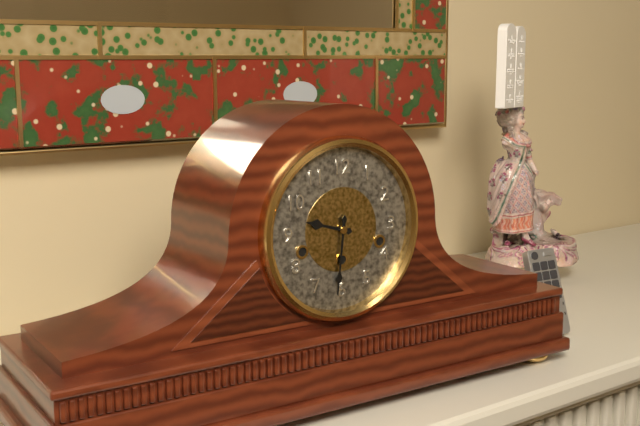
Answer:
**9:31**
